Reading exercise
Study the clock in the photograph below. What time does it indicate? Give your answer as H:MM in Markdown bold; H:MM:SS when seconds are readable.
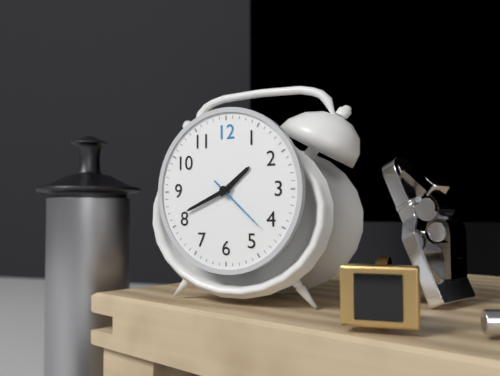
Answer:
**1:41:22**
